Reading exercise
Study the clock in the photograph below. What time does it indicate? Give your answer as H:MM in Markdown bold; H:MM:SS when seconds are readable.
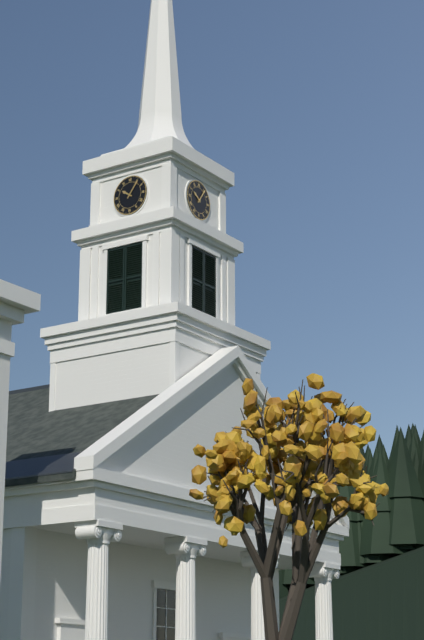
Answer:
**10:06**
